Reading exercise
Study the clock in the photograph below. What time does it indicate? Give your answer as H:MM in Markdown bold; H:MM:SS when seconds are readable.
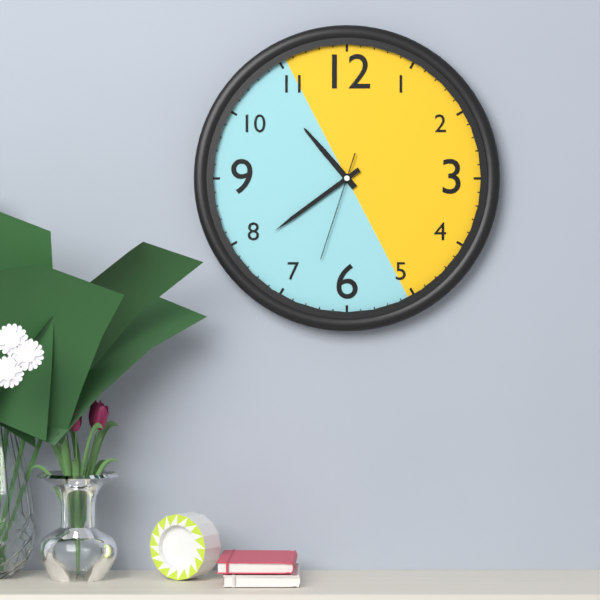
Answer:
**10:39:33**
